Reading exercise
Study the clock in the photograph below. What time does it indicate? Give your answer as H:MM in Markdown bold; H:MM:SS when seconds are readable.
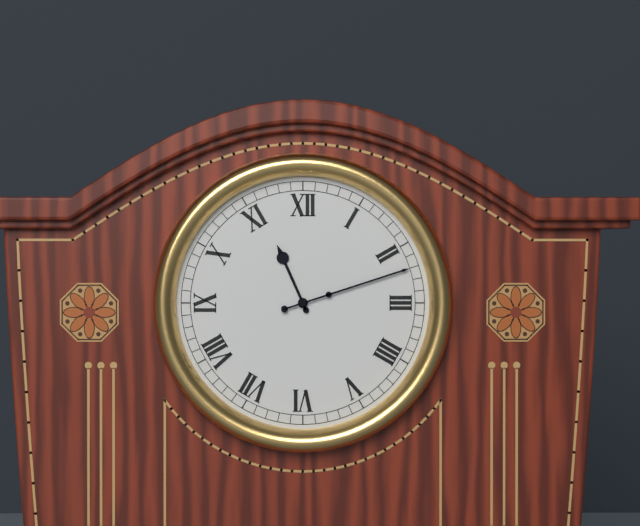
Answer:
**11:12**
